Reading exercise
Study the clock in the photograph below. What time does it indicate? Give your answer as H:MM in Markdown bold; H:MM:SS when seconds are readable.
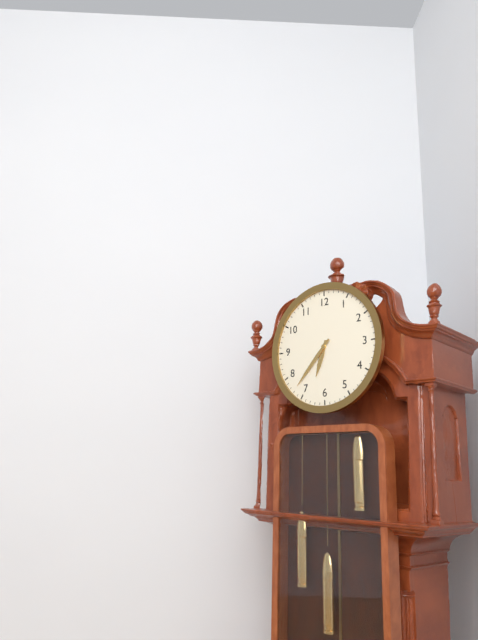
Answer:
**6:37**
